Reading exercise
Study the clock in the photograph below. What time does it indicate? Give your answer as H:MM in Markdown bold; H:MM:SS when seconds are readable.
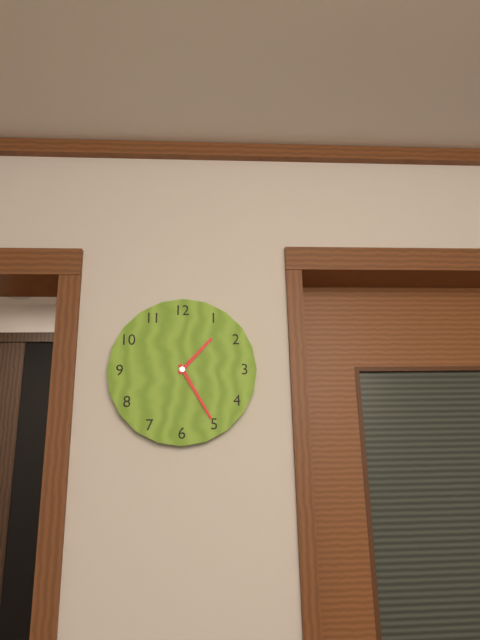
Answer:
**1:25**
